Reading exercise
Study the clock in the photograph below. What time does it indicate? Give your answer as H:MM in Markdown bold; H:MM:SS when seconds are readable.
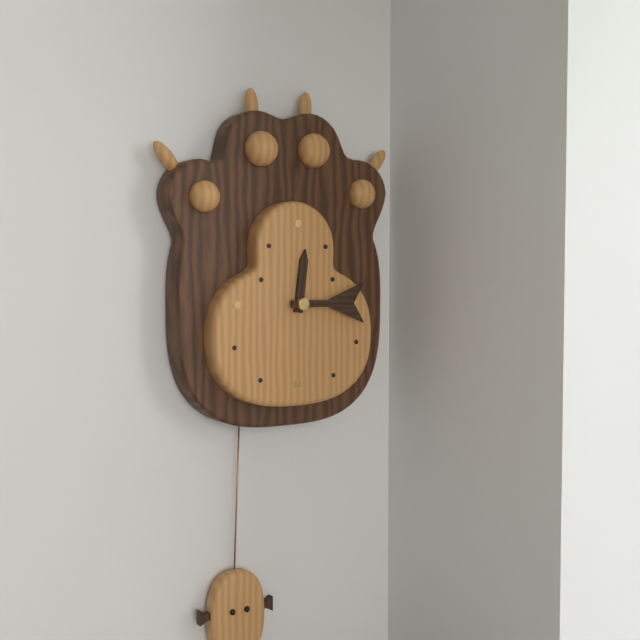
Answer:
**12:15**
